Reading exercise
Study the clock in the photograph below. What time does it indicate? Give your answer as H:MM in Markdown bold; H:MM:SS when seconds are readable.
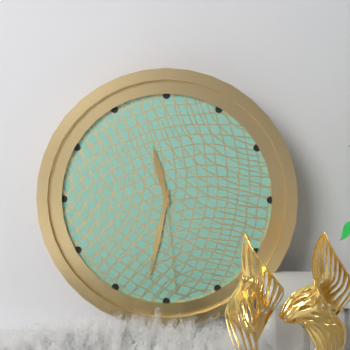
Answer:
**11:32:29**
